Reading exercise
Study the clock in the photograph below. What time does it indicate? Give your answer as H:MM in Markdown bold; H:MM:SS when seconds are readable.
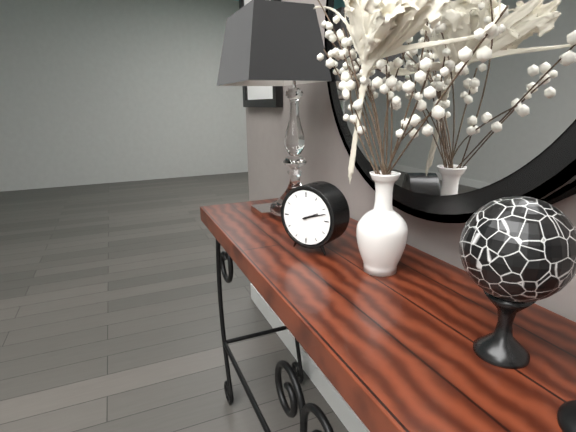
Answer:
**2:12**
